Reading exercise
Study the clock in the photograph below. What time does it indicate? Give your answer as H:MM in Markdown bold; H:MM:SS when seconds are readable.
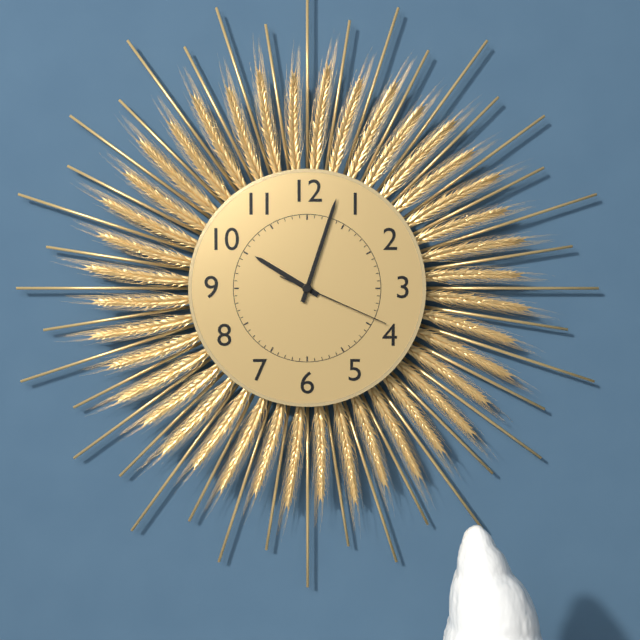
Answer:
**10:03:19**
